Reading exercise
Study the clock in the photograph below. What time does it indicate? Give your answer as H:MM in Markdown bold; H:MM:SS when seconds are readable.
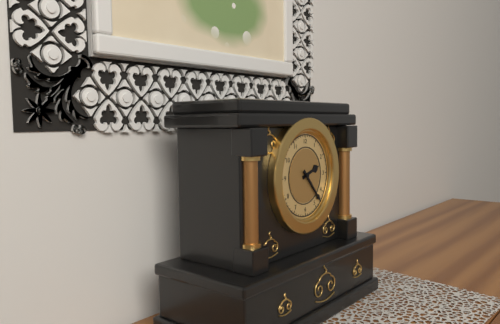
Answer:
**2:23**
